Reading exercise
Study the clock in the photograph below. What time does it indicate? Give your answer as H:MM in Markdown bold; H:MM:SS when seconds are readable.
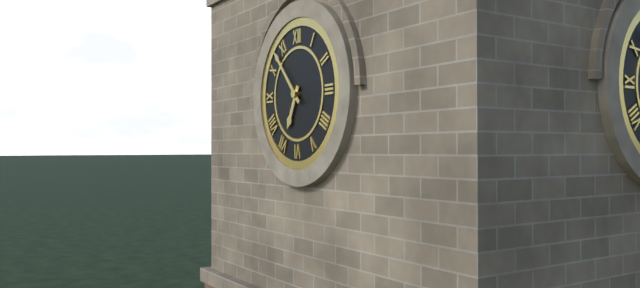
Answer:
**6:53**
